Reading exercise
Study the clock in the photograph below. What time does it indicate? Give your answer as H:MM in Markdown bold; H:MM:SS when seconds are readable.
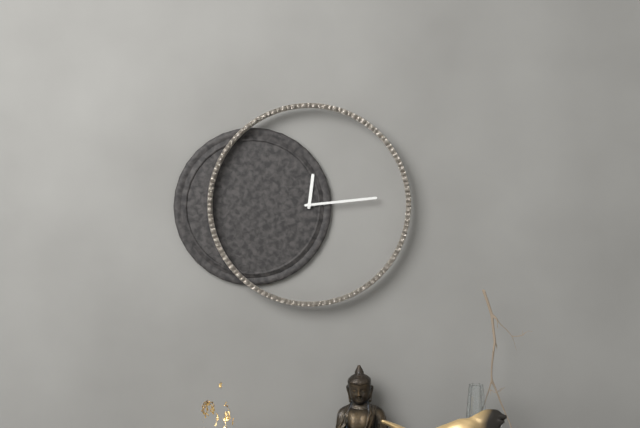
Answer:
**12:14**
